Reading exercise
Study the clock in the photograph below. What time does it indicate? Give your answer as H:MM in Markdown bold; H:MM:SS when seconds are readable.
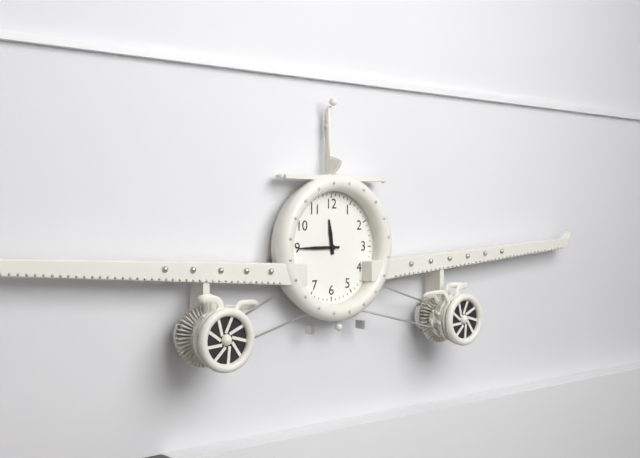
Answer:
**11:45**
